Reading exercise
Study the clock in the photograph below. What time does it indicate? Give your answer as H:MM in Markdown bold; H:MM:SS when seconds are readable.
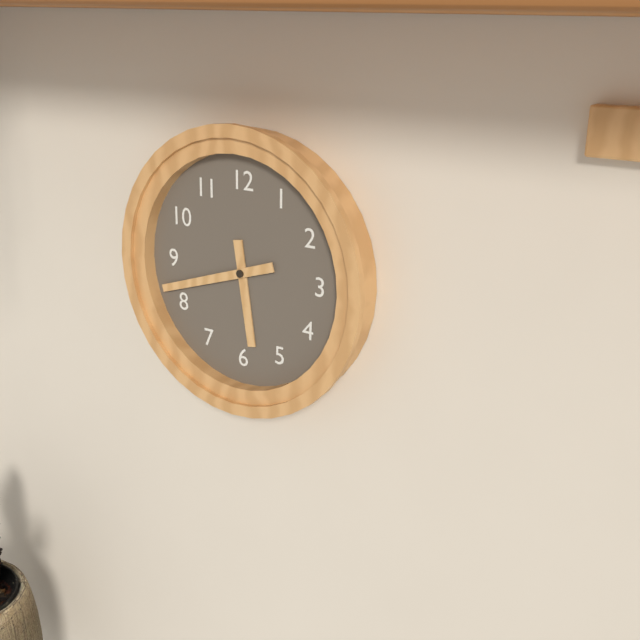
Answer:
**5:42**
